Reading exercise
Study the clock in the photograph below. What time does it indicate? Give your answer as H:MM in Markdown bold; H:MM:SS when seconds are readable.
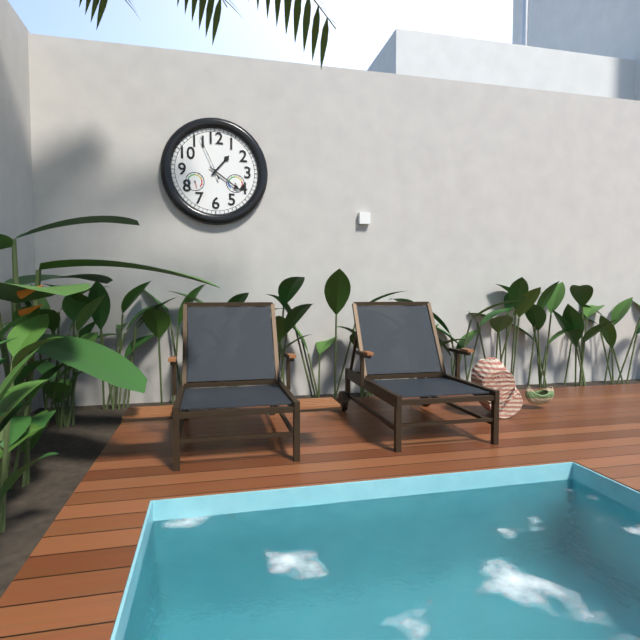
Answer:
**1:21**
